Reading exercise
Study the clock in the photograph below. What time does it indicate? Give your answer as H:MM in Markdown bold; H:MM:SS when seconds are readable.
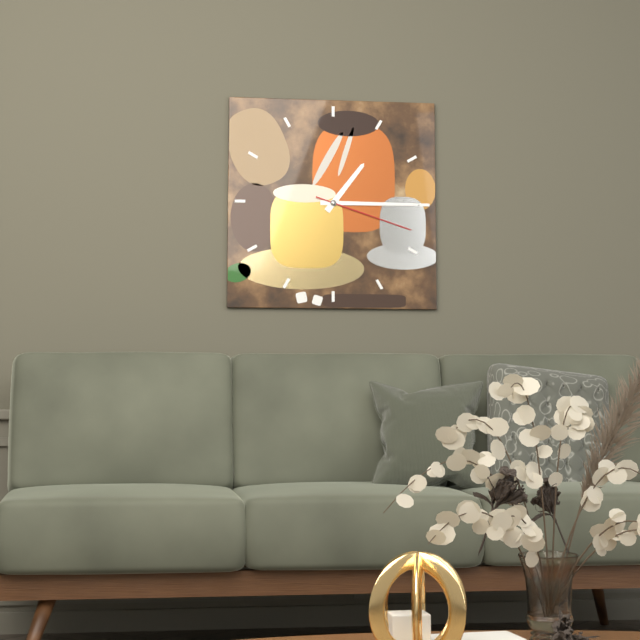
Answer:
**1:15:18**
